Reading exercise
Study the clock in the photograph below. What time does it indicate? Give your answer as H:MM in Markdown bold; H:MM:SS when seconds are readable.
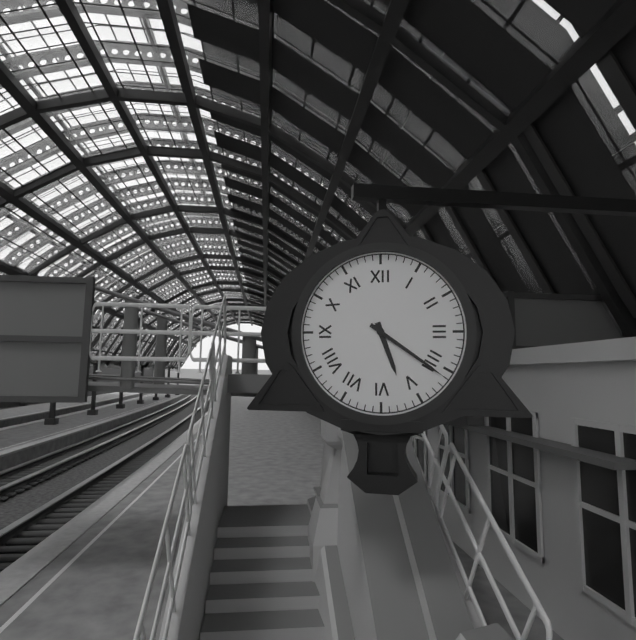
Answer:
**5:21**
